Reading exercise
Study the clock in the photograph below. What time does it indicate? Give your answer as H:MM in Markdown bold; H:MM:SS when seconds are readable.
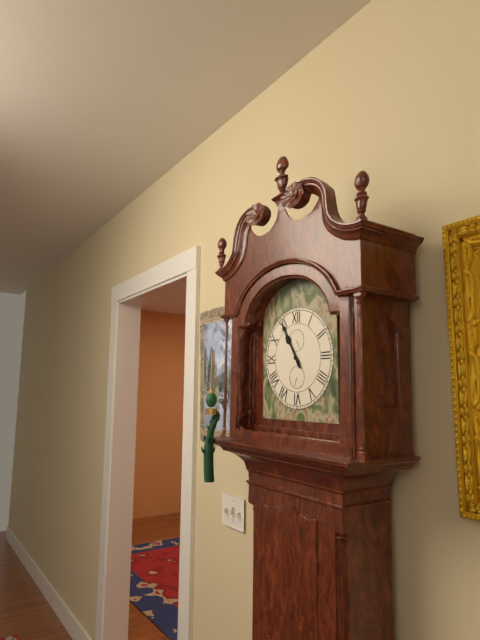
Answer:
**10:55**
